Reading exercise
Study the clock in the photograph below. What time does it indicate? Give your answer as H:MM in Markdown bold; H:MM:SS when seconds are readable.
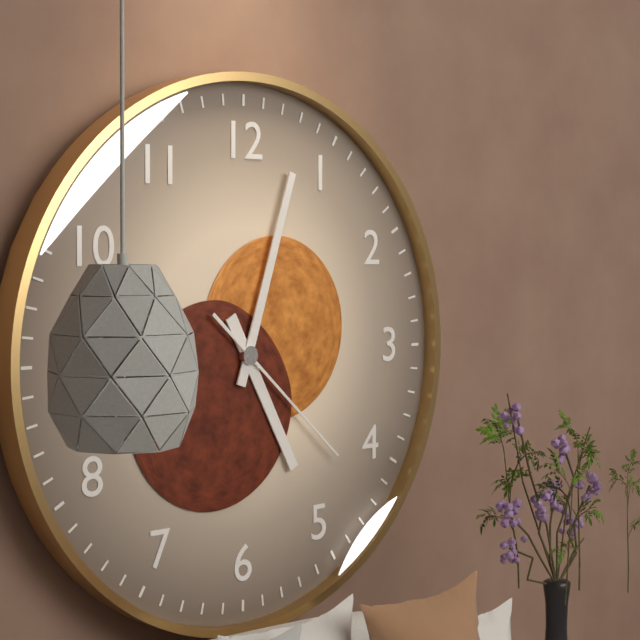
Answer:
**5:03:22**
